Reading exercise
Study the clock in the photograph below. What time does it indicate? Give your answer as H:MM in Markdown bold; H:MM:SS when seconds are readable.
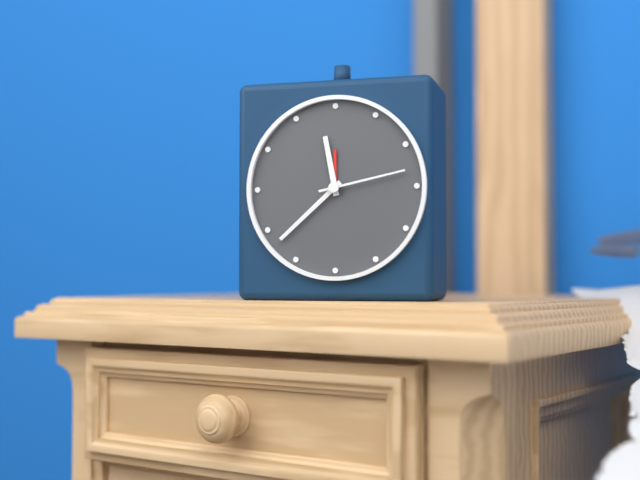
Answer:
**11:38:13**
